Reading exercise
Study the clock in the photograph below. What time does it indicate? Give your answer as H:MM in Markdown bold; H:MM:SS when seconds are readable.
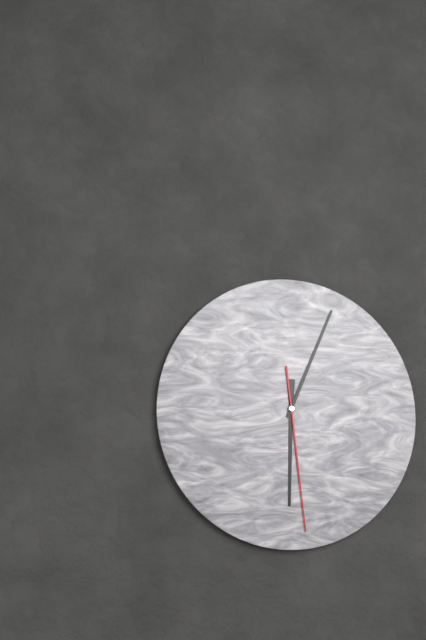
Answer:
**6:04:29**
